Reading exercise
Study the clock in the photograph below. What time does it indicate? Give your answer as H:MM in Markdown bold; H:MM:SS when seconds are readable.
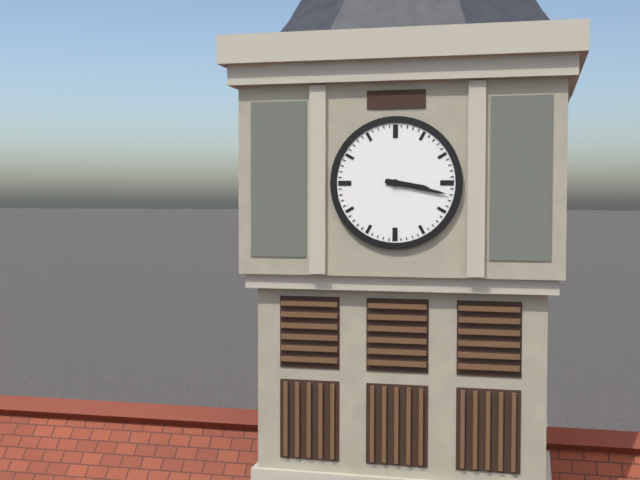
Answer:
**3:17**
